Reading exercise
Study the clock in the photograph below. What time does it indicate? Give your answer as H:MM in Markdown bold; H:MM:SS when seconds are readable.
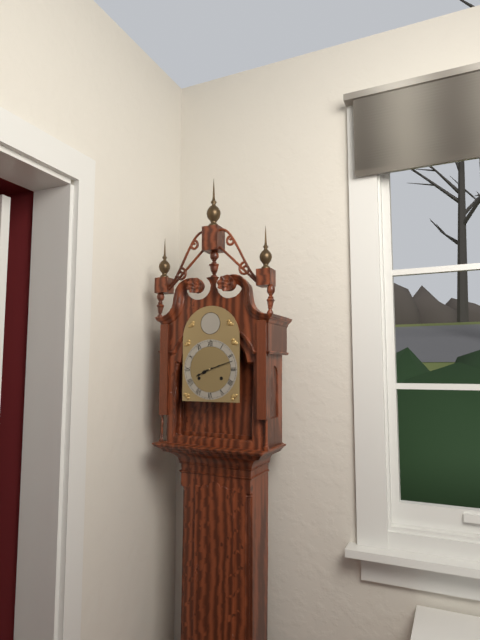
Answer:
**8:12**
